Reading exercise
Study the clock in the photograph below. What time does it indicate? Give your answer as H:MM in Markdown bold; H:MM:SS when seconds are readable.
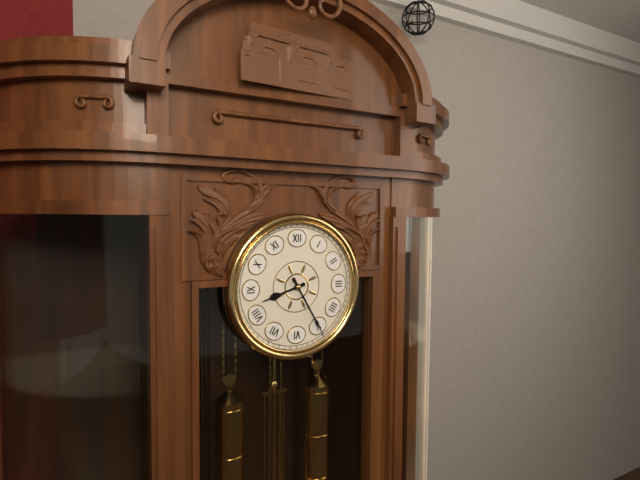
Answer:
**8:25**
